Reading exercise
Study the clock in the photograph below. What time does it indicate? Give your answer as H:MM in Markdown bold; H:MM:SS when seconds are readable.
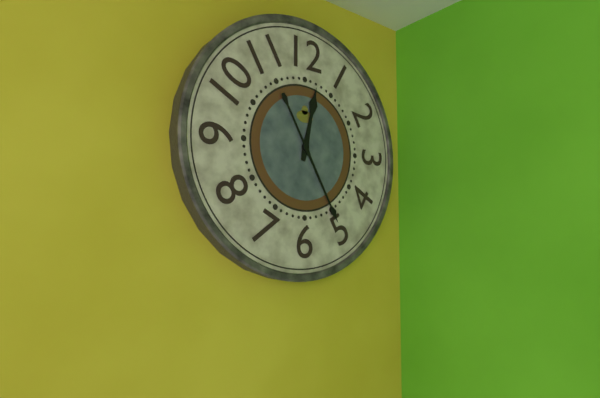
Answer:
**12:25**
